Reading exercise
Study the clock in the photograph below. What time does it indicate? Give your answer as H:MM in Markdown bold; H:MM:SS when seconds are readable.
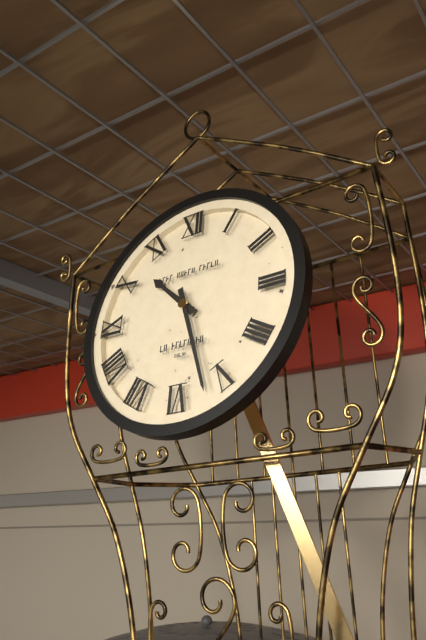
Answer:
**10:27**
